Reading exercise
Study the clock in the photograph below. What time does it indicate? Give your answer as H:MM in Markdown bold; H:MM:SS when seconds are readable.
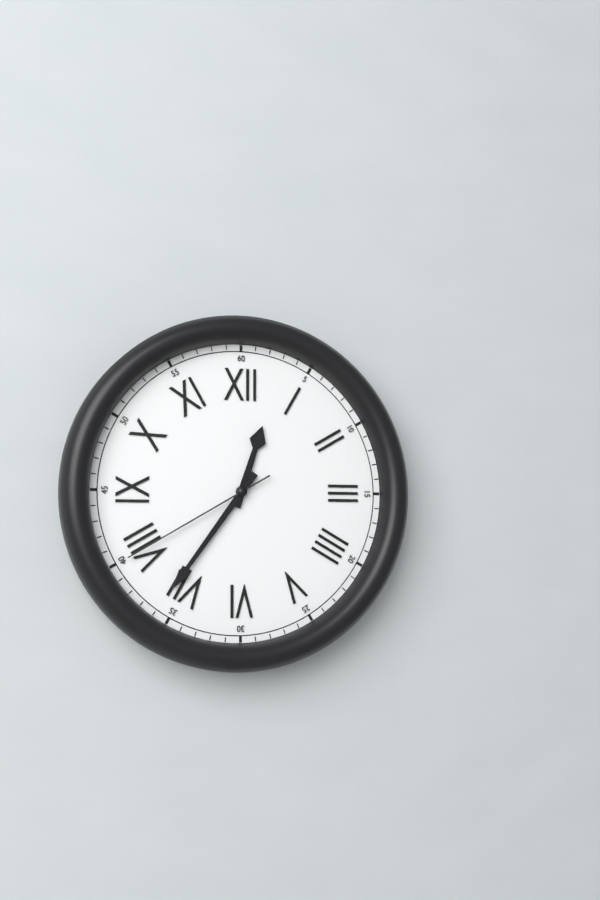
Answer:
**12:36:40**
